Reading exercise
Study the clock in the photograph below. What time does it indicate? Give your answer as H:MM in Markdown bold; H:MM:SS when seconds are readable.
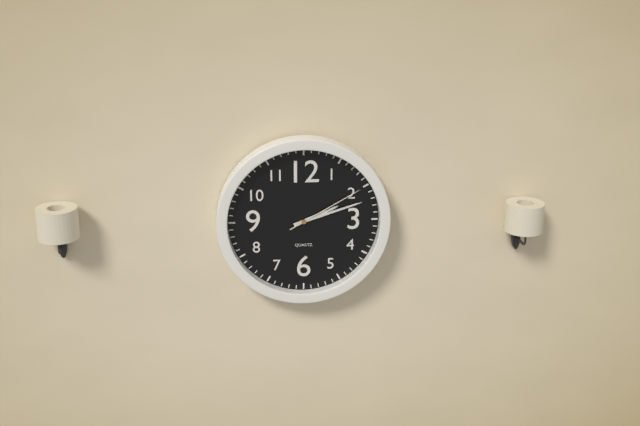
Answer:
**2:12:10**
